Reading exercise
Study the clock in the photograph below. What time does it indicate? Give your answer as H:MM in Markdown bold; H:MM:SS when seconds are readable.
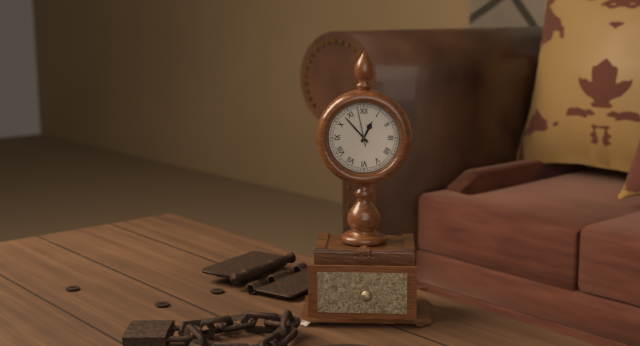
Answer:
**12:53**
